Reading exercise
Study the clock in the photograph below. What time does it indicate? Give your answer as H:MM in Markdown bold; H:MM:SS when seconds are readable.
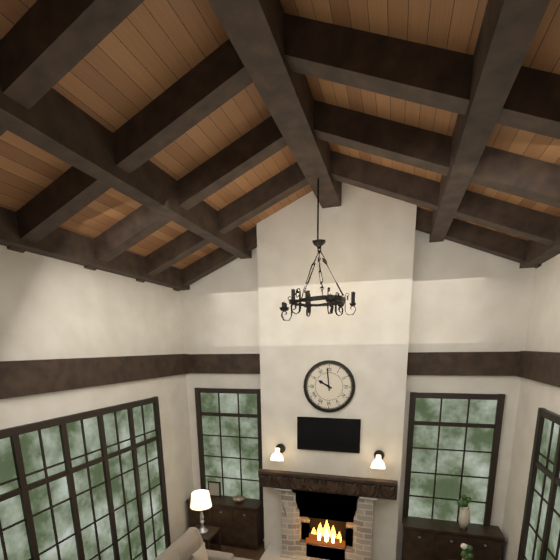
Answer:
**9:59**
